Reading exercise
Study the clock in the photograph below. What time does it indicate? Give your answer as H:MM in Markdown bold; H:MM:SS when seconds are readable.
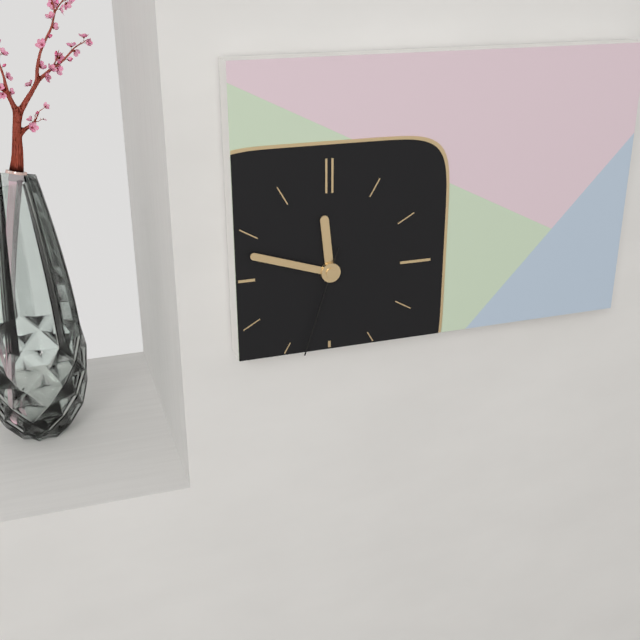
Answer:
**11:48:33**
